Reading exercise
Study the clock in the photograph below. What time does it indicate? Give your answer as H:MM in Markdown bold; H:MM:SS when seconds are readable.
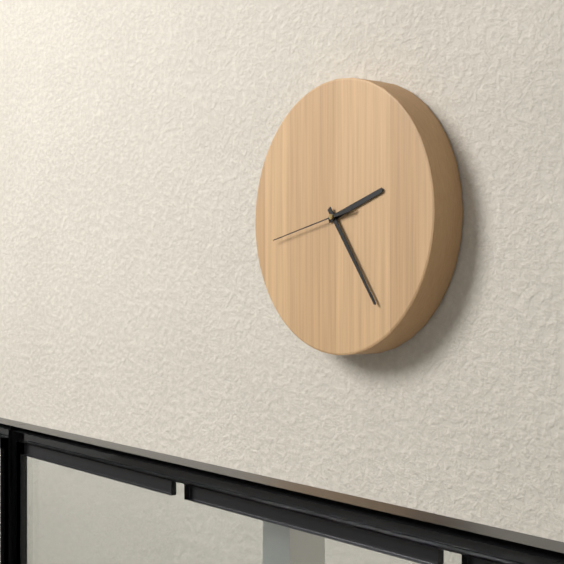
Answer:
**2:24:43**
